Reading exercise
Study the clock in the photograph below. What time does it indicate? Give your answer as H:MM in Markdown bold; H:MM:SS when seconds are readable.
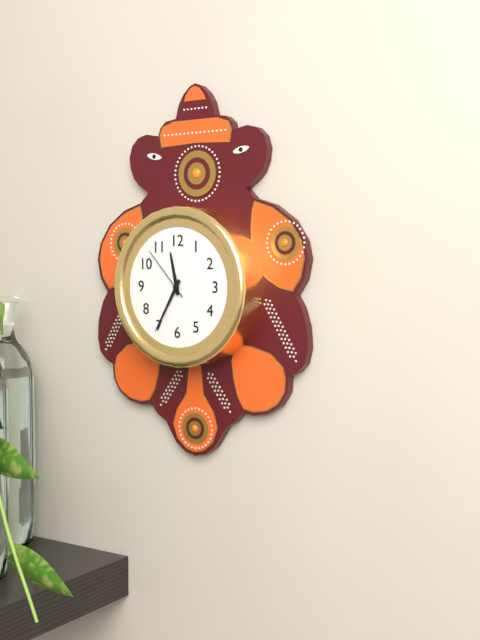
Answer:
**11:35:53**
